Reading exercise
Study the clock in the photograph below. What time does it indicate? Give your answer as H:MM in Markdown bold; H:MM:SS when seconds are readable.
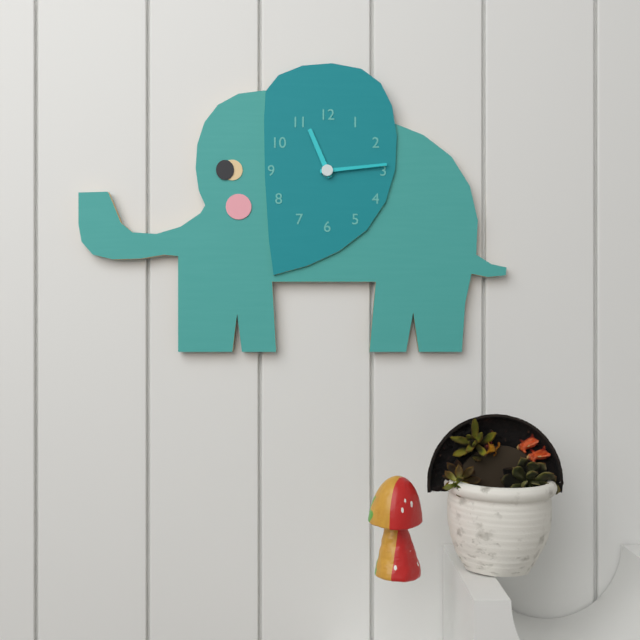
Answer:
**11:14**
